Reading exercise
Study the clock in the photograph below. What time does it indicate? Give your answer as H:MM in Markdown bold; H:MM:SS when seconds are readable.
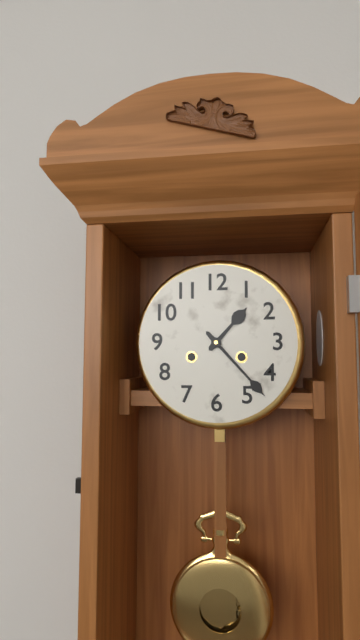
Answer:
**1:23**
